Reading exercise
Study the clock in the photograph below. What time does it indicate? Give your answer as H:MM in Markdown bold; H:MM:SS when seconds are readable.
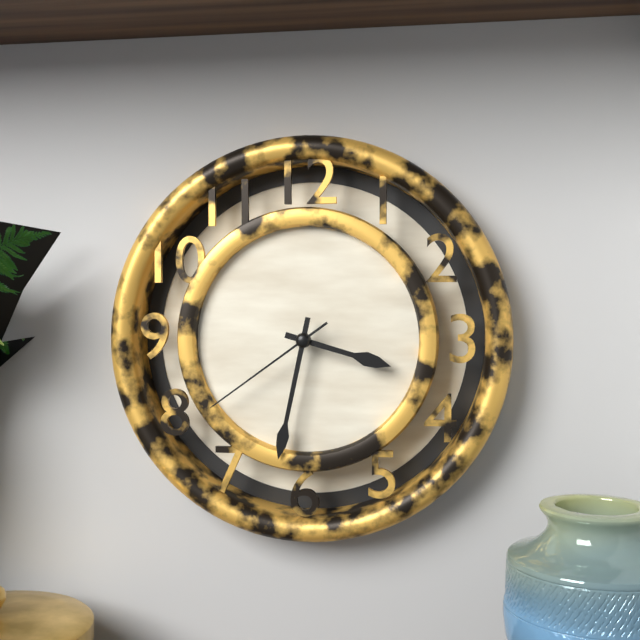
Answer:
**3:32:39**
